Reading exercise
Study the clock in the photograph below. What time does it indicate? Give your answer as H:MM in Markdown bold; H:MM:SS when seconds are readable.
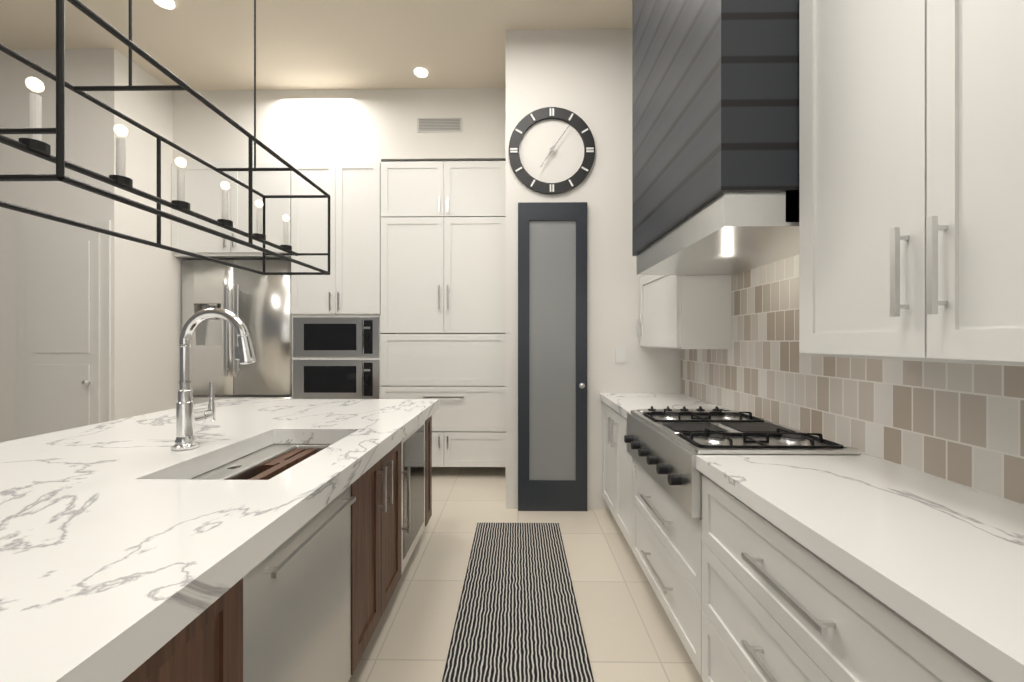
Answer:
**7:06**
